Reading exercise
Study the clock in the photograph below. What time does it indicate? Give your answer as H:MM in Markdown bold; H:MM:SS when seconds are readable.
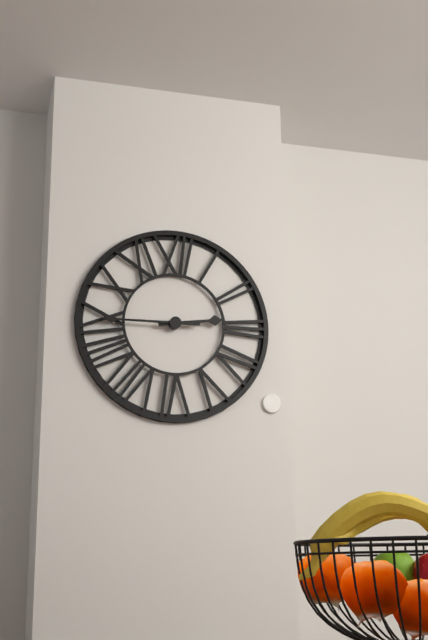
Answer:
**2:45**
